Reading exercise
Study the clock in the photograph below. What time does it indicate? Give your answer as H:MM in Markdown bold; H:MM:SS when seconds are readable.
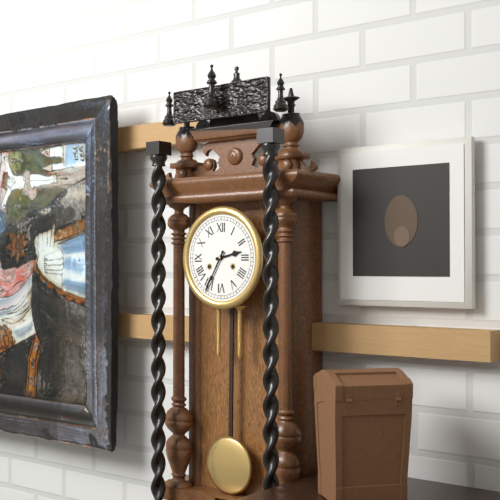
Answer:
**2:35**
